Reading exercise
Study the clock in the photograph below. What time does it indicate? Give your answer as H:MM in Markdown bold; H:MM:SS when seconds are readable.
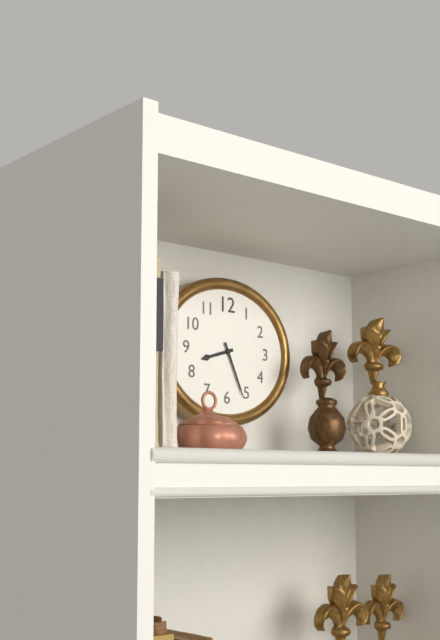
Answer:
**8:26**
